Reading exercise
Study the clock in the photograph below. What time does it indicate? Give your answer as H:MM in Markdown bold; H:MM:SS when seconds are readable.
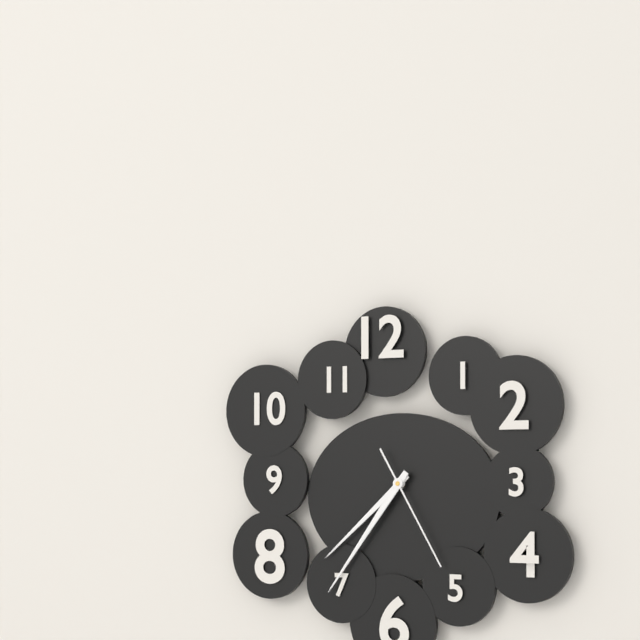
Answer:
**7:36:25**
